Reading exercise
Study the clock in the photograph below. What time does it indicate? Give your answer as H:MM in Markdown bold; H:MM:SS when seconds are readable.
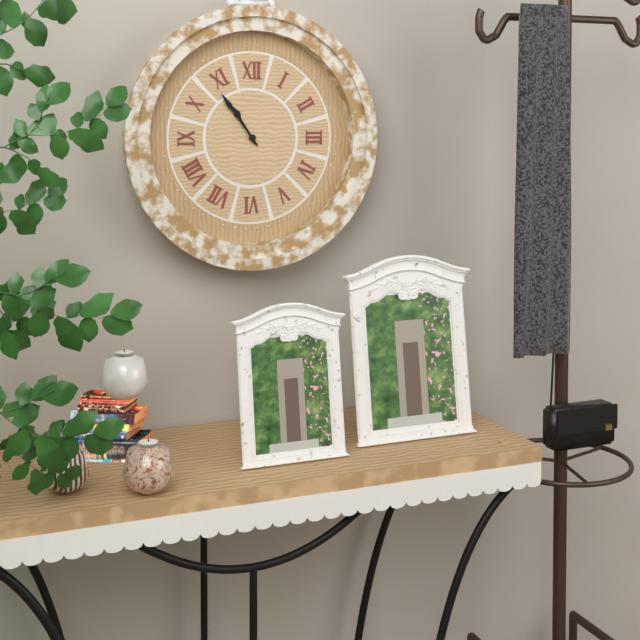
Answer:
**10:54**
